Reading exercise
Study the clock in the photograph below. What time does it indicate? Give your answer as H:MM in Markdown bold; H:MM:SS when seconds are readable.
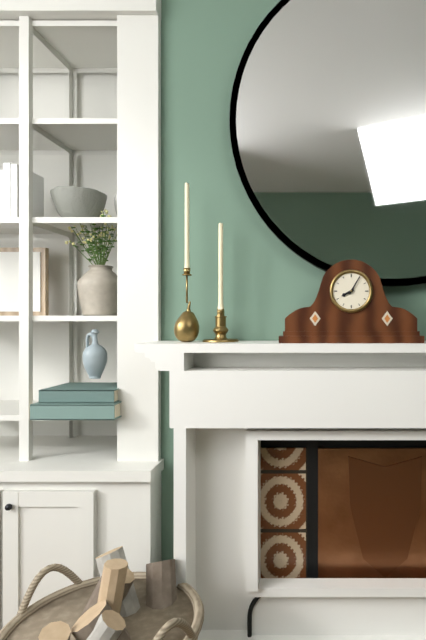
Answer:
**8:05**
